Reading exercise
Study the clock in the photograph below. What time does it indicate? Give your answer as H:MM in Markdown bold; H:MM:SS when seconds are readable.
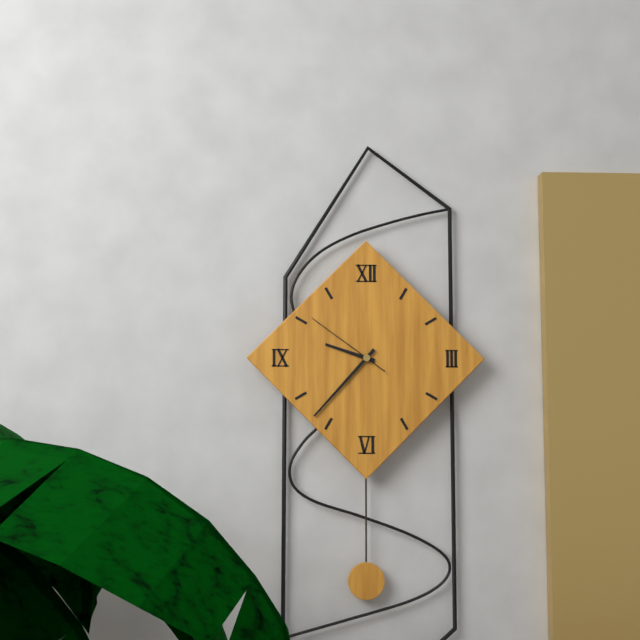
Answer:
**9:37:51**
